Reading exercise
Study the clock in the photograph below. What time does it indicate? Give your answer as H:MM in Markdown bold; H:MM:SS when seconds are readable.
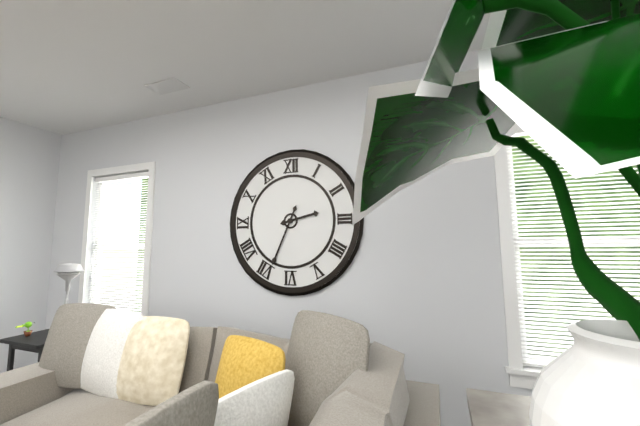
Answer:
**2:34**
